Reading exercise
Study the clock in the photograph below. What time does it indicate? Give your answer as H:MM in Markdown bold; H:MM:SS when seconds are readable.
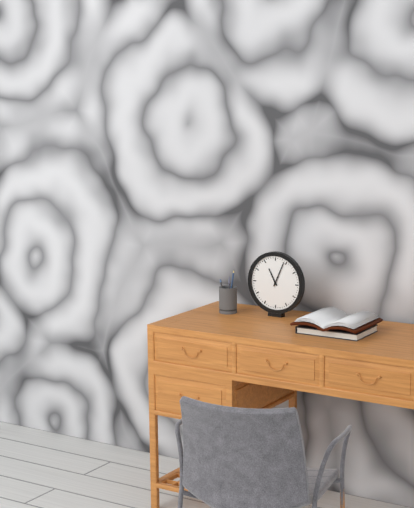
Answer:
**11:04**
